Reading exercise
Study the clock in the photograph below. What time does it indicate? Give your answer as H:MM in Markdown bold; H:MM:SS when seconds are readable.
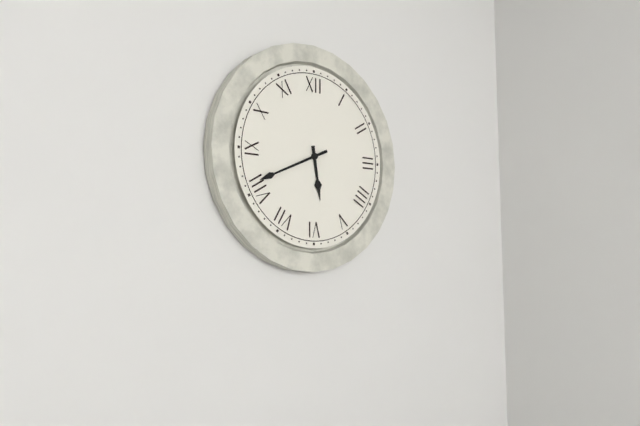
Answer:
**5:41**
